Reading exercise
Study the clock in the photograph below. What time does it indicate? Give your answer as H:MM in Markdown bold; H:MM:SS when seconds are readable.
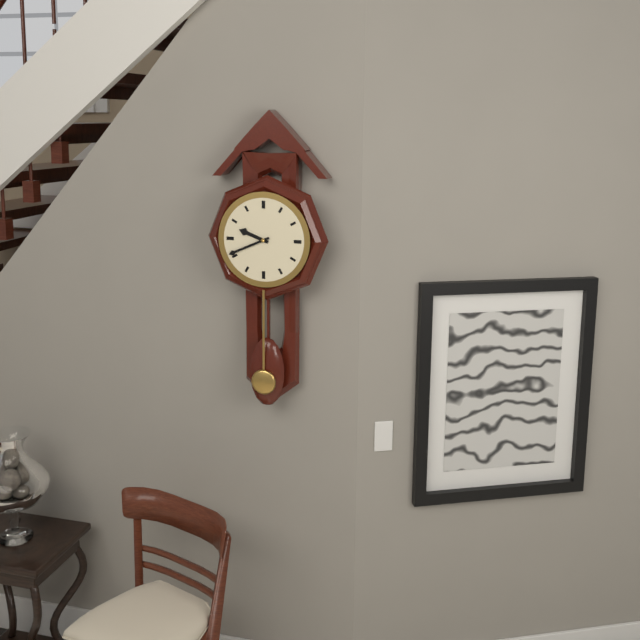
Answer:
**9:41**
